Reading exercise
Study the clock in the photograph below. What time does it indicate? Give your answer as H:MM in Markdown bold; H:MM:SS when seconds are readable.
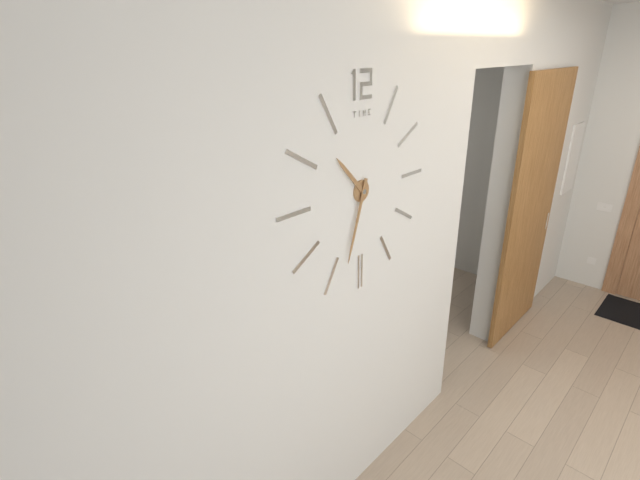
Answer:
**10:33**
